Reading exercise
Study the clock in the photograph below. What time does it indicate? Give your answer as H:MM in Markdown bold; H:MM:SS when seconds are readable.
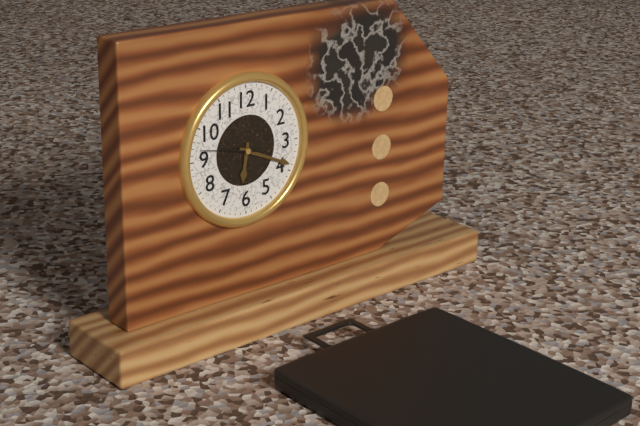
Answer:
**6:19:47**
